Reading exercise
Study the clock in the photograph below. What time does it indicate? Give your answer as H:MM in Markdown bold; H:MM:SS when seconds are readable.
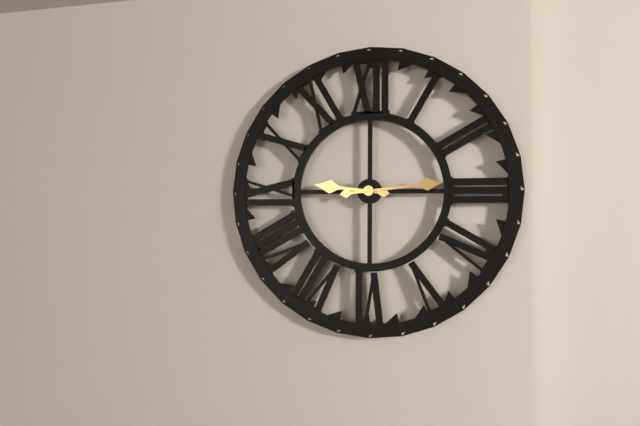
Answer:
**9:14**
